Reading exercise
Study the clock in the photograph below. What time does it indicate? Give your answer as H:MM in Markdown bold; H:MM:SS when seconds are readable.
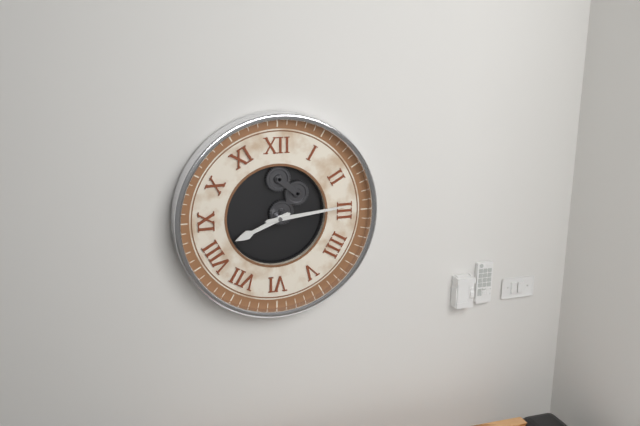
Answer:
**8:14**
